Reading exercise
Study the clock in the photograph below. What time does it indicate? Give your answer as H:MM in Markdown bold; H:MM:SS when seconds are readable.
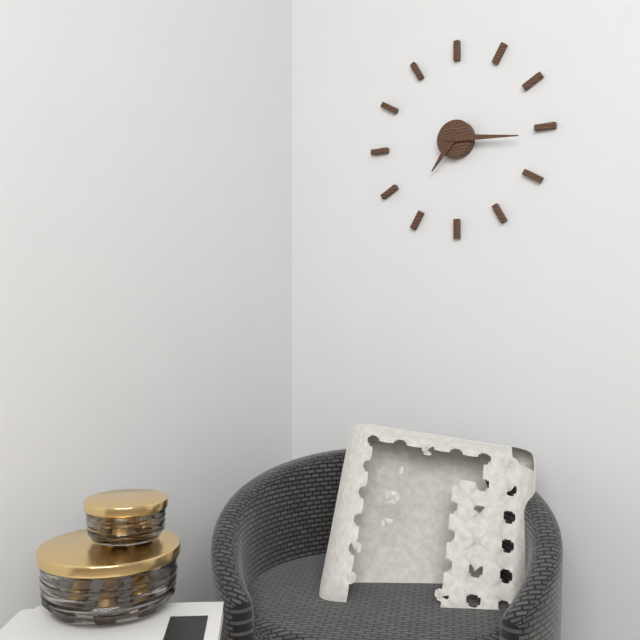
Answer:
**7:16**
